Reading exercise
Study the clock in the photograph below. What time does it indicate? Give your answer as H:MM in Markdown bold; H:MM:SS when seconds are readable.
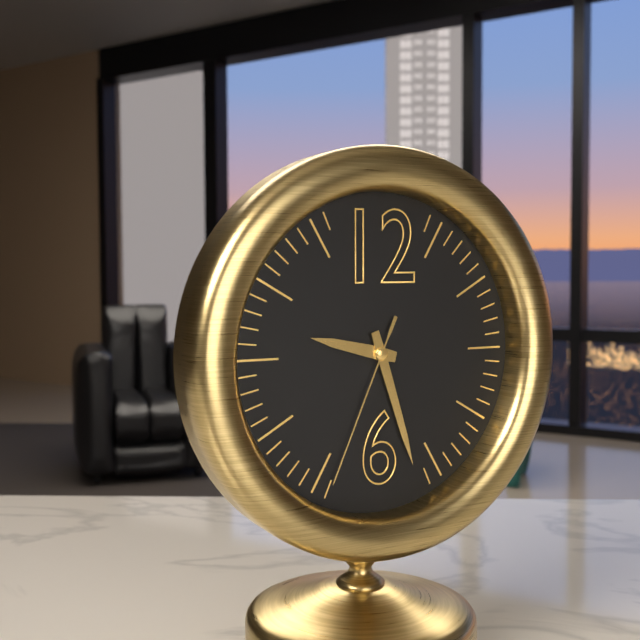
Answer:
**9:27:34**
